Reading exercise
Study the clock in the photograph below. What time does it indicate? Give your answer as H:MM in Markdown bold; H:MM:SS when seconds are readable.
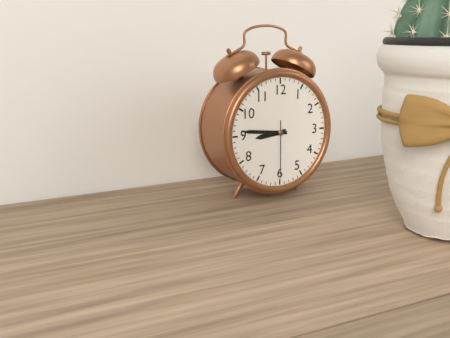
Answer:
**8:46:30**
